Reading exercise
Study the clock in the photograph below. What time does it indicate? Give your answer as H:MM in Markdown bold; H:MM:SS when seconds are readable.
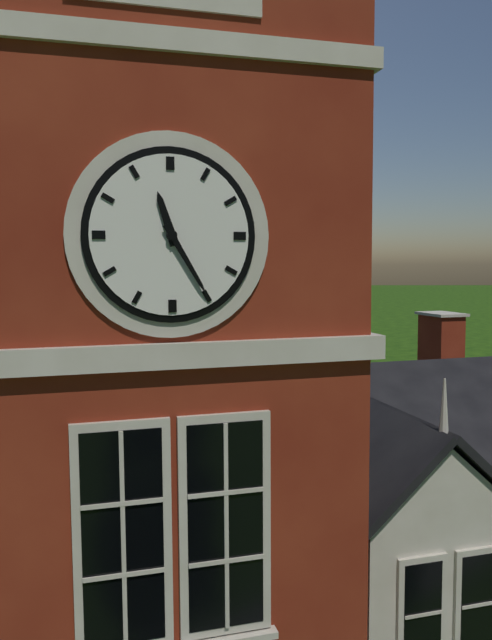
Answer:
**11:25**
